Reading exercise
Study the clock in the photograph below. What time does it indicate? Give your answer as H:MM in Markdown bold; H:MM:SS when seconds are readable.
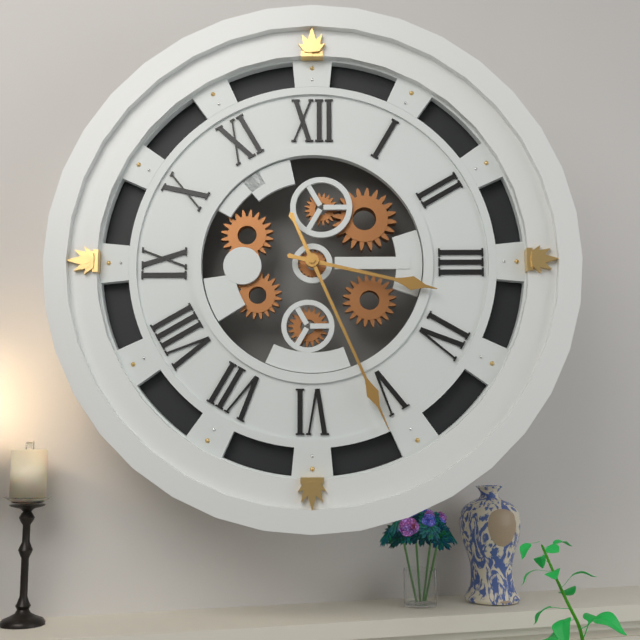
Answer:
**3:26**
